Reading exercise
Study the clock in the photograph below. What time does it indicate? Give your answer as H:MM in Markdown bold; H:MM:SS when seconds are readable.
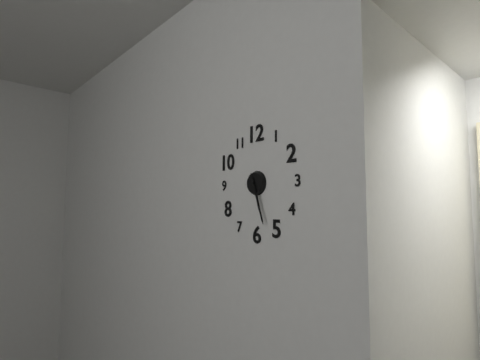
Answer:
**5:27**
